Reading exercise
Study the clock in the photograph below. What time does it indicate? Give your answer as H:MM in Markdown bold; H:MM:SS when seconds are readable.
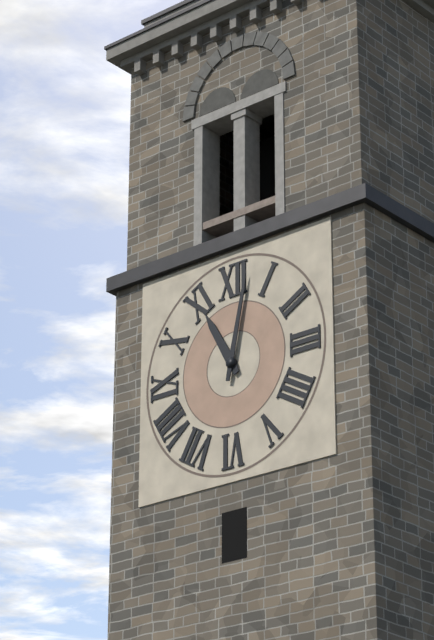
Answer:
**11:02**
